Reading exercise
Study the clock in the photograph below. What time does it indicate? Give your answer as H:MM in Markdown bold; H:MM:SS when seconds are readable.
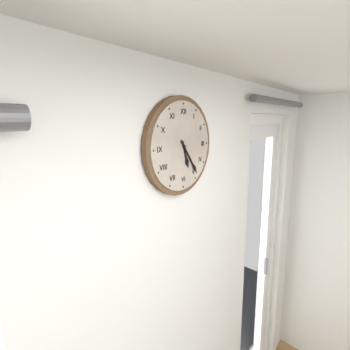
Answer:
**5:24**
